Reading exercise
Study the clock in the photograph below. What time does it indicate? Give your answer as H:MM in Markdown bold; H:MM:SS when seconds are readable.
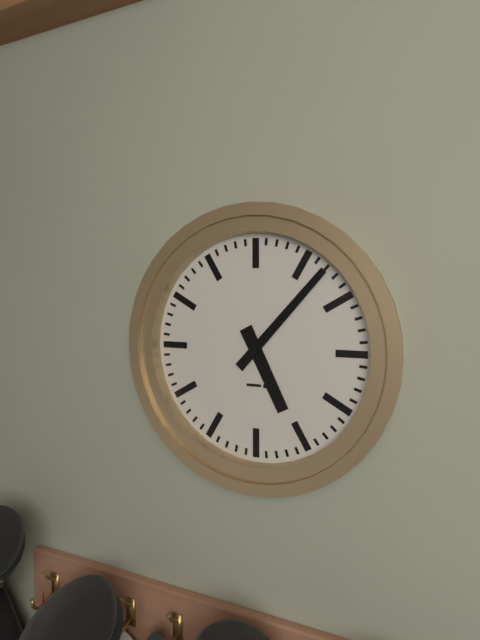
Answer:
**5:07**
